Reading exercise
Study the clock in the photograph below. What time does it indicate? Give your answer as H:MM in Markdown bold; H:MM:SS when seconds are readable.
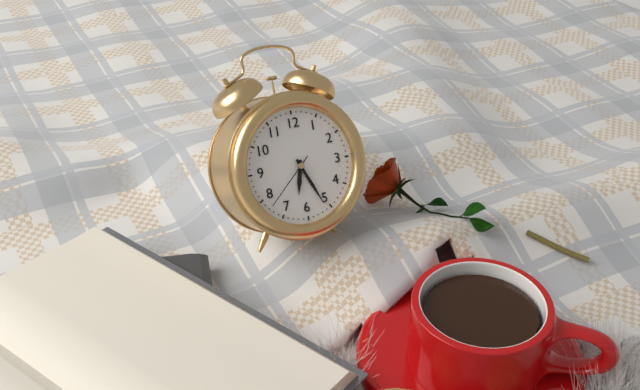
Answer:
**6:26:38**
